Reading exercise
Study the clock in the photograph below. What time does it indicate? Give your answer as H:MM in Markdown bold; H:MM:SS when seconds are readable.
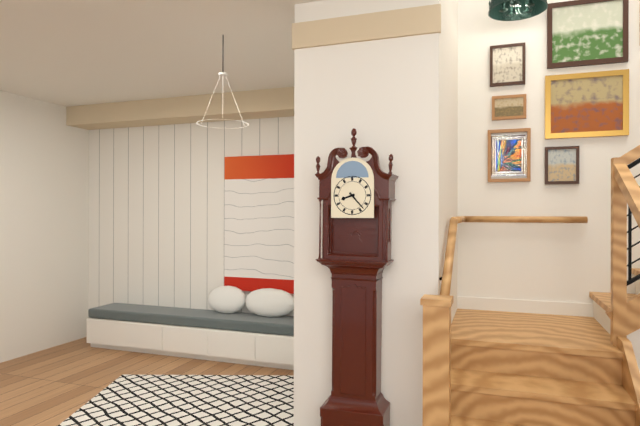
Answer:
**8:23**
